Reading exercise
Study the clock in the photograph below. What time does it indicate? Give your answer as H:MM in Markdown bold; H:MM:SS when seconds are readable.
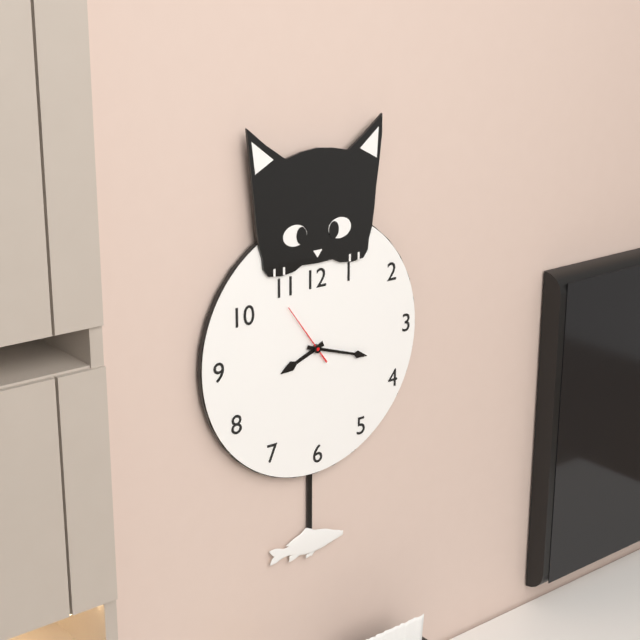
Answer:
**8:18:54**
